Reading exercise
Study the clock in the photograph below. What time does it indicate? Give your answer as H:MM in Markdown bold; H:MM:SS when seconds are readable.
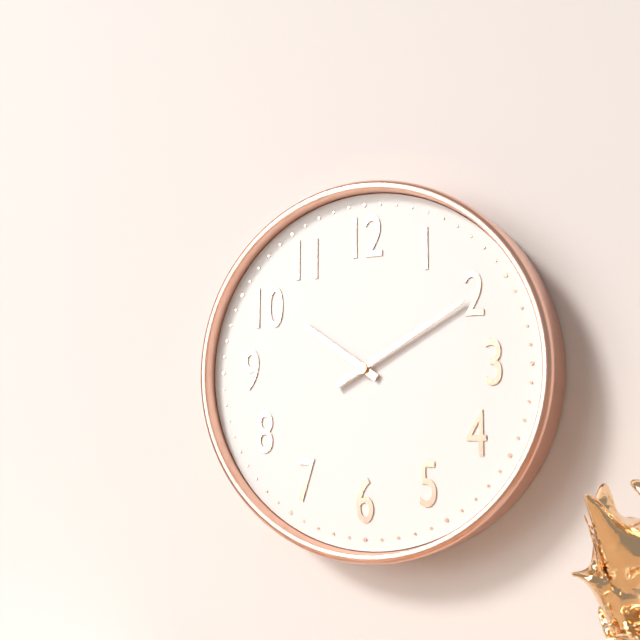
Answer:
**10:10**
